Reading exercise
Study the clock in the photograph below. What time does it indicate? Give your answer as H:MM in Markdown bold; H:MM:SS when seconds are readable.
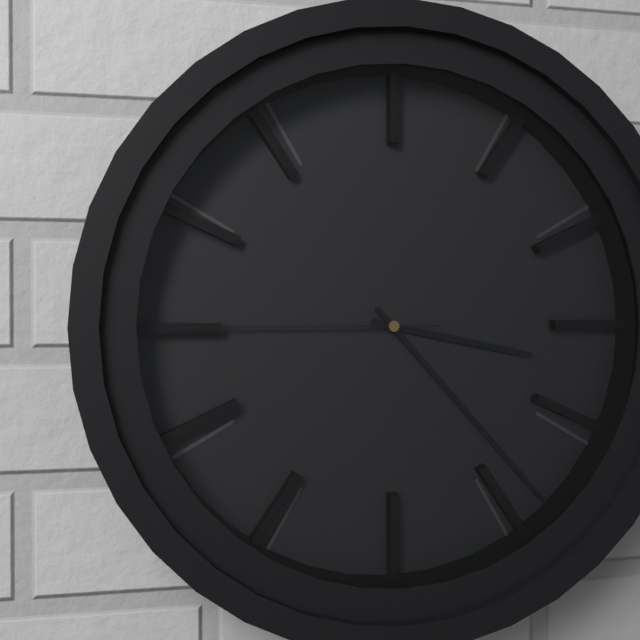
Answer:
**3:23:45**
